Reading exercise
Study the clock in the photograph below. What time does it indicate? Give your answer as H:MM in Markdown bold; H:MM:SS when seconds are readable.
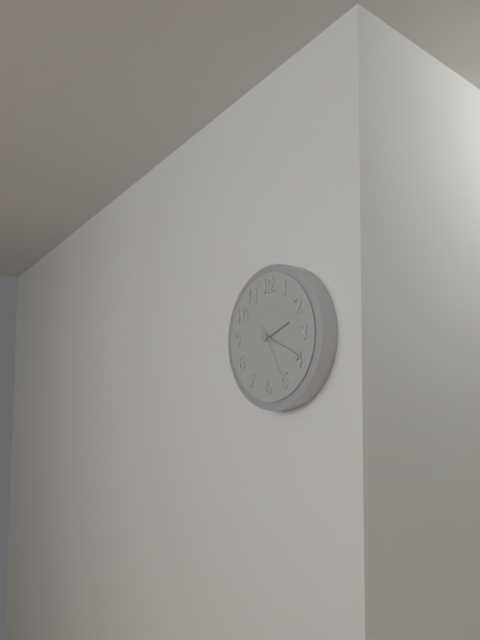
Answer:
**2:19:25**
